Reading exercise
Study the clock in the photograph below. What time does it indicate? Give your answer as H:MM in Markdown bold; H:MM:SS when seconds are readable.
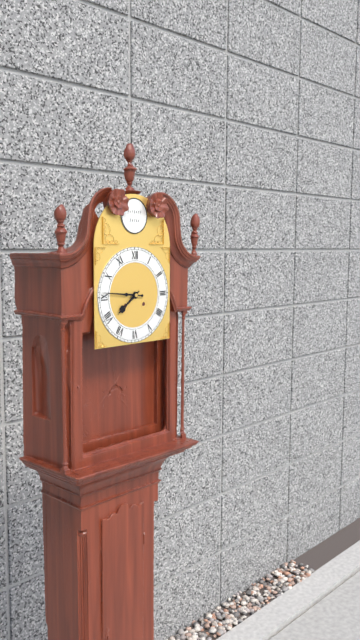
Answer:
**7:46**
